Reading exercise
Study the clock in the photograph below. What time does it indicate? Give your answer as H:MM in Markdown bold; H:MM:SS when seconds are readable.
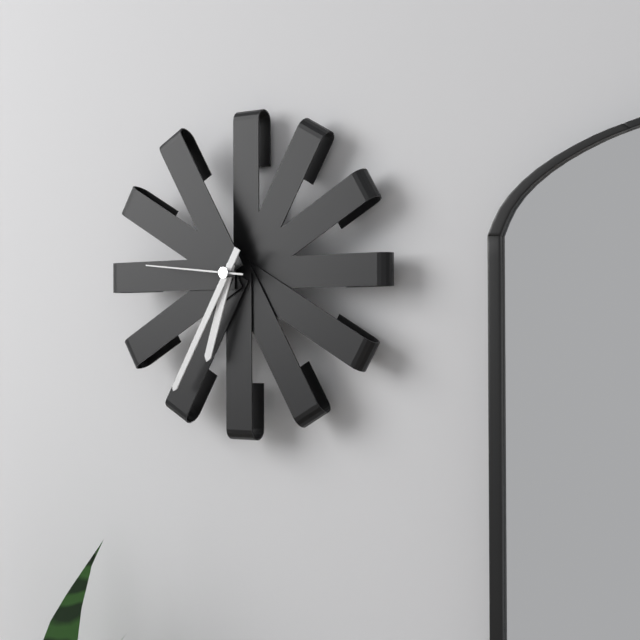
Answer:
**6:35:46**
